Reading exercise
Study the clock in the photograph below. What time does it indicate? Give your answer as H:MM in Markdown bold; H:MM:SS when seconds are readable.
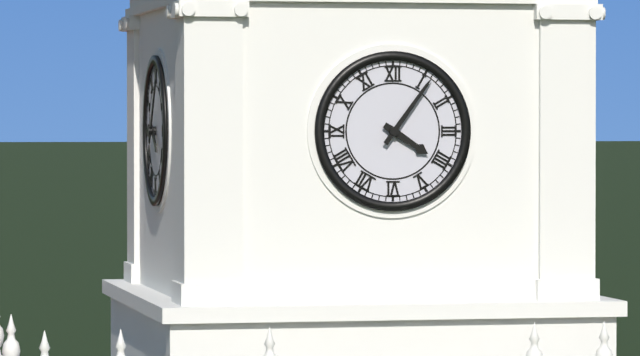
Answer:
**4:06**
